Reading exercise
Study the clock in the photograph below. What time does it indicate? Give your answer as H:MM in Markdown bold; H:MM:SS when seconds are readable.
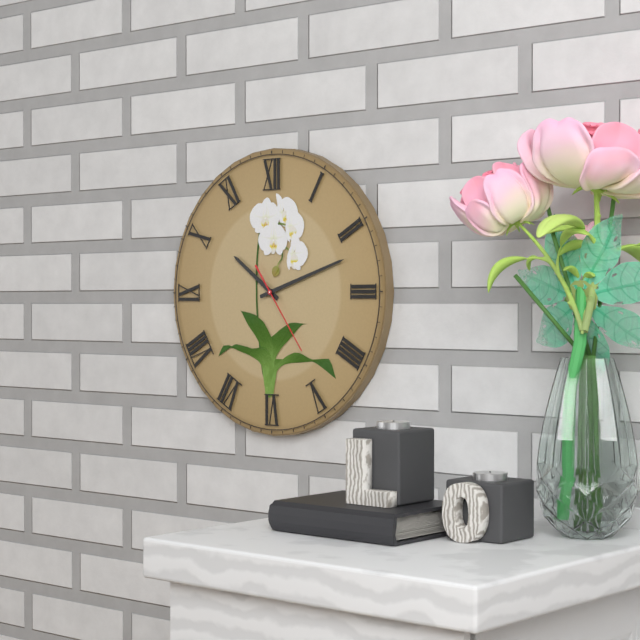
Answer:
**10:12:24**
